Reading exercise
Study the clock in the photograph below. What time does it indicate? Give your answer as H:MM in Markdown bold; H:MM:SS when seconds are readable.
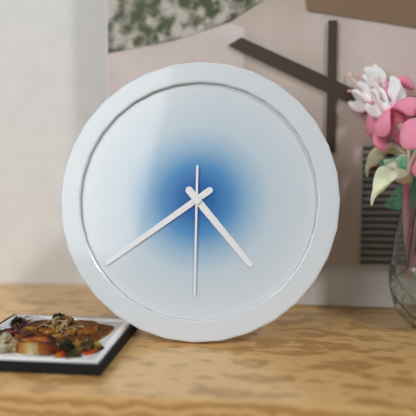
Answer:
**4:39:30**
